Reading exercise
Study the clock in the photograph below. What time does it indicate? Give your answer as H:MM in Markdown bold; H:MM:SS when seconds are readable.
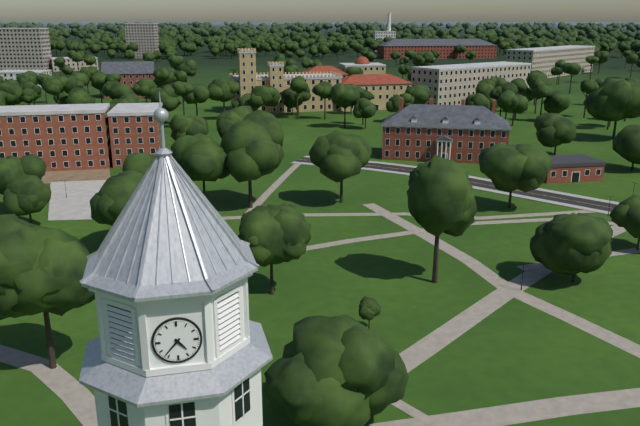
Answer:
**4:37**
